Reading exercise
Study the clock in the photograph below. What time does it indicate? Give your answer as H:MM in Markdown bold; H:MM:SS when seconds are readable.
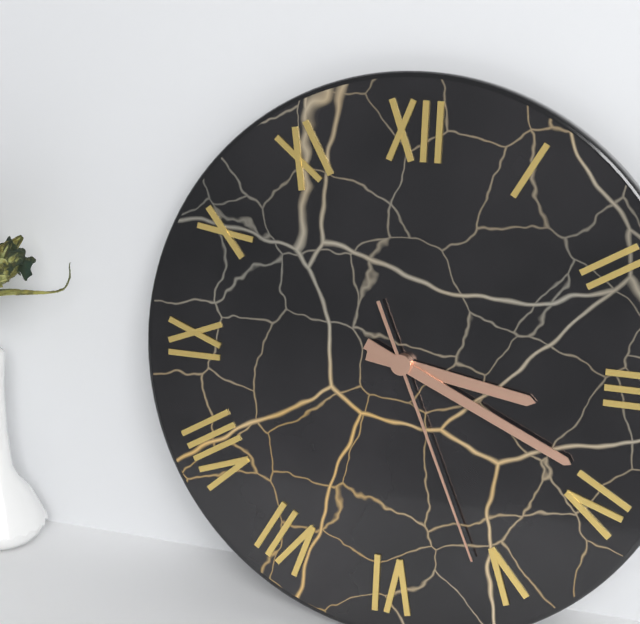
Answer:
**3:19:26**
